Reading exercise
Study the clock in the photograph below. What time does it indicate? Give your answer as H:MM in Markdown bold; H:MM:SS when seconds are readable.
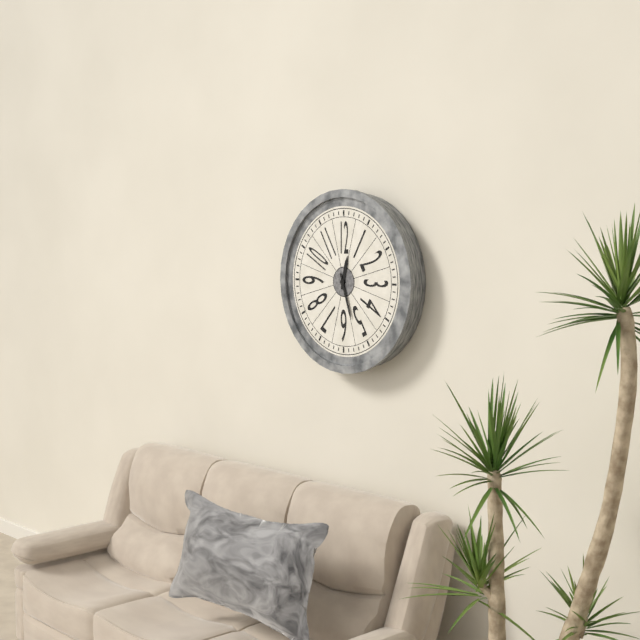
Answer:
**12:27**
